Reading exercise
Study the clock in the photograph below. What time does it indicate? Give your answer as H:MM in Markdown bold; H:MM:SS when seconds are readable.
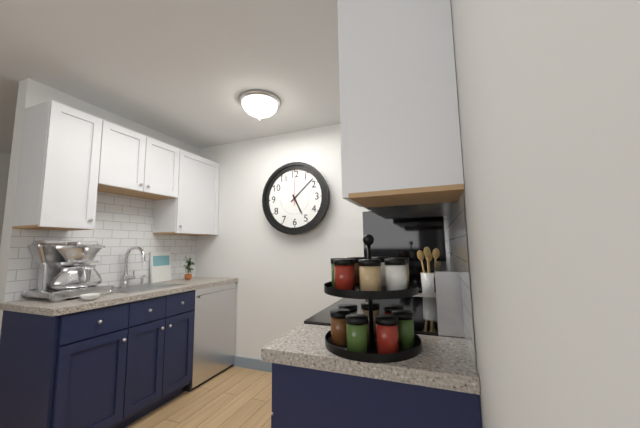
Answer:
**5:08**
